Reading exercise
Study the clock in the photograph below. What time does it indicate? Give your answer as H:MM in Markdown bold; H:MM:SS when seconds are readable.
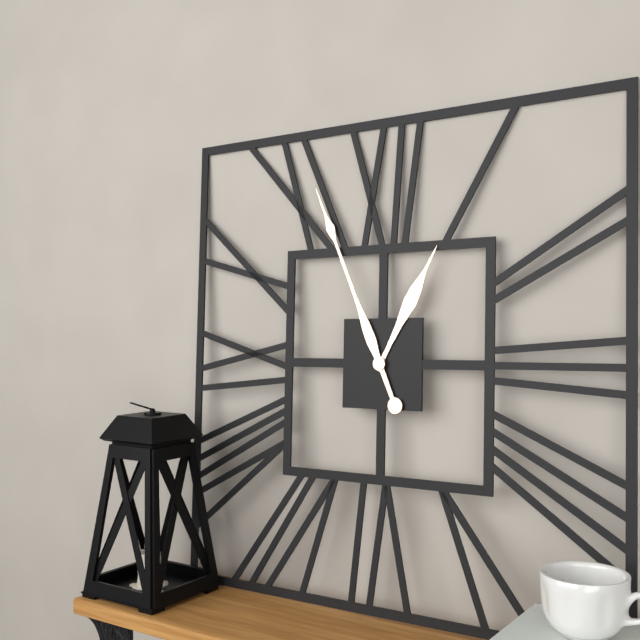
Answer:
**12:56**
